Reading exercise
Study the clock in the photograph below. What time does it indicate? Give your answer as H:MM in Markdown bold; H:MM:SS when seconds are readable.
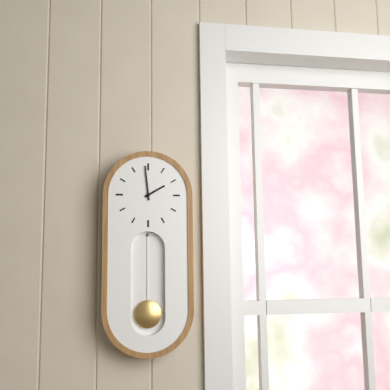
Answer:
**1:59**
